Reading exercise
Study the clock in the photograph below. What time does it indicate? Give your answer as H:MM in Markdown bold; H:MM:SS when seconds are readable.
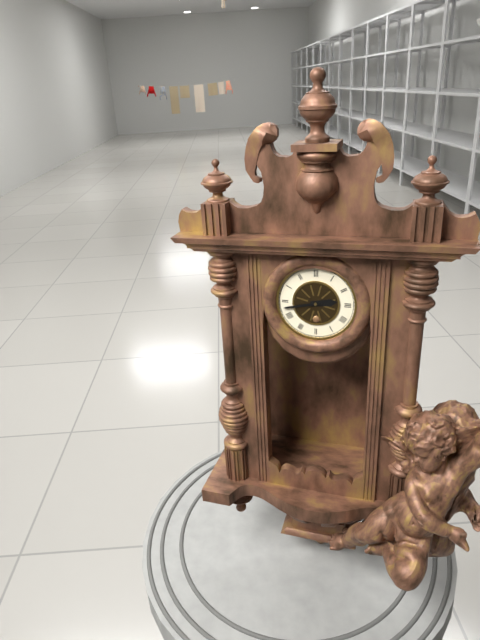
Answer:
**2:43**
